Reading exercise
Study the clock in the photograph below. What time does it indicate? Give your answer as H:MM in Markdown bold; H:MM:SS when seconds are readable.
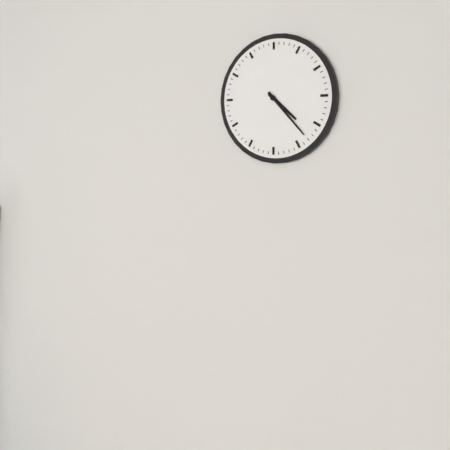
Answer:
**4:23**
